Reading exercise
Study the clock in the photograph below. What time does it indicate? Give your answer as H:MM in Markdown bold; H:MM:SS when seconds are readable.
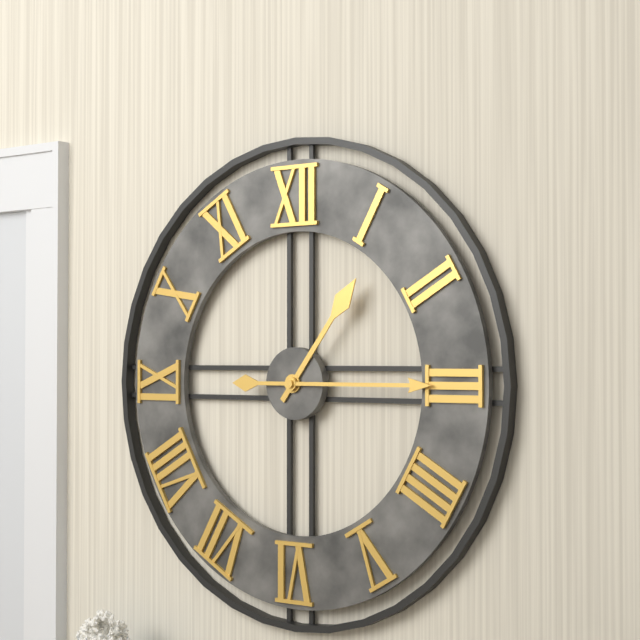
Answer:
**1:15**
